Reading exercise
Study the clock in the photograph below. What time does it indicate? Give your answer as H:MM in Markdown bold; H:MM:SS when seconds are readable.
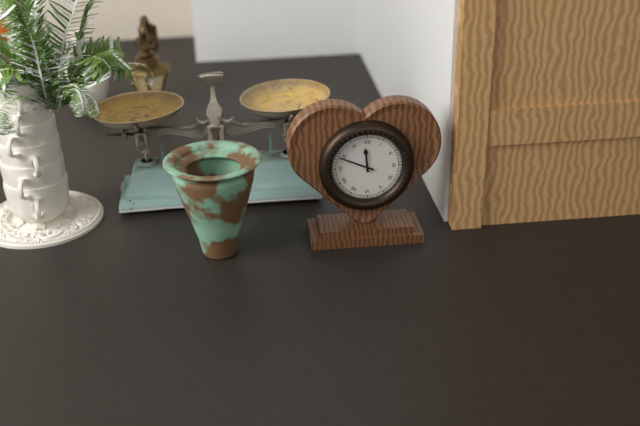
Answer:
**11:49**
